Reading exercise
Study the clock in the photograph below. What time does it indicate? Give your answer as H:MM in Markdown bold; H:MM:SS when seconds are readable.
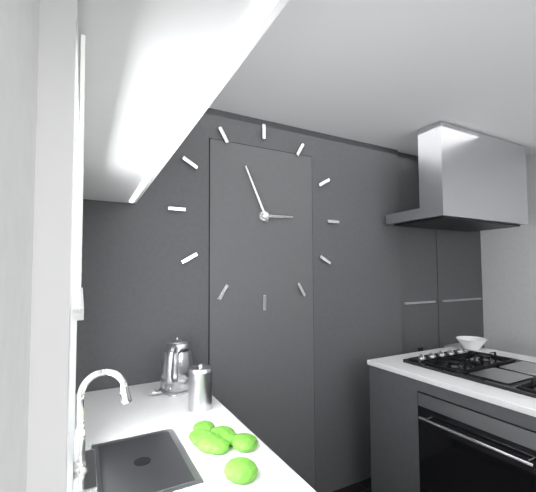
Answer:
**2:56**
